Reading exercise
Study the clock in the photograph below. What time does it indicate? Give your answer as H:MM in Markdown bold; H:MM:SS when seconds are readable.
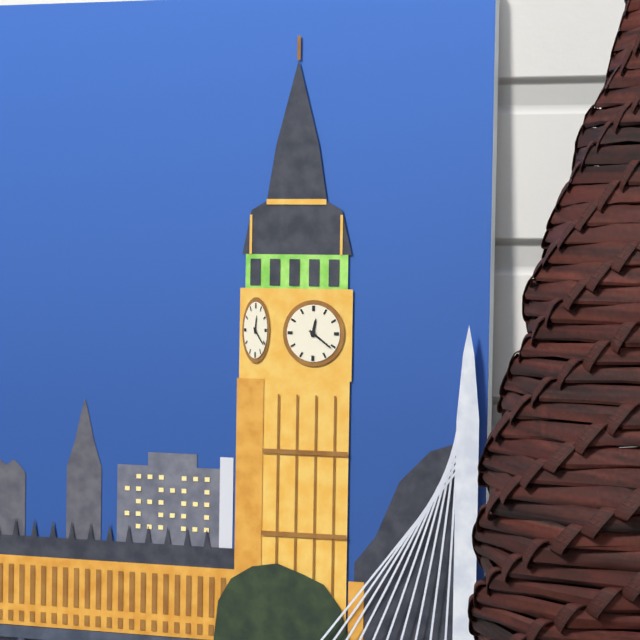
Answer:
**12:21**
